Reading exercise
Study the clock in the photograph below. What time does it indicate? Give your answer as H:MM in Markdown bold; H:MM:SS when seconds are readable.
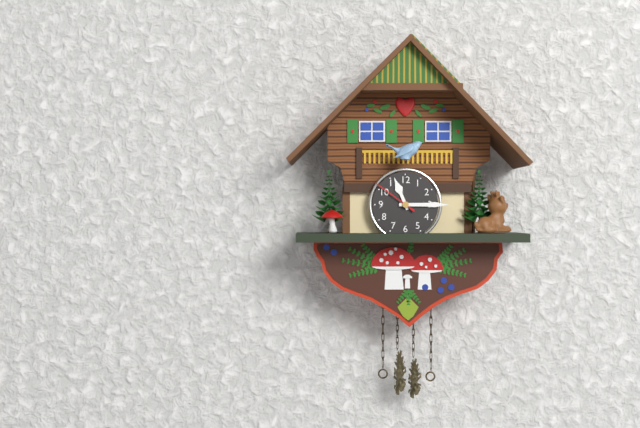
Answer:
**11:15**
